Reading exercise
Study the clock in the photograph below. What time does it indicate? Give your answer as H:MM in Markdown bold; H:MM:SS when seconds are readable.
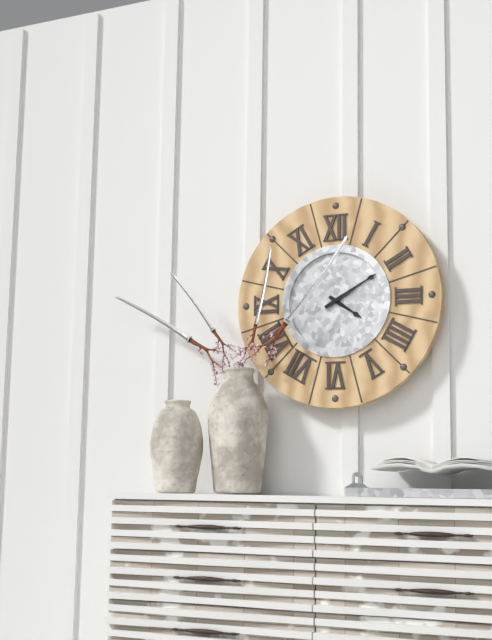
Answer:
**4:10**
